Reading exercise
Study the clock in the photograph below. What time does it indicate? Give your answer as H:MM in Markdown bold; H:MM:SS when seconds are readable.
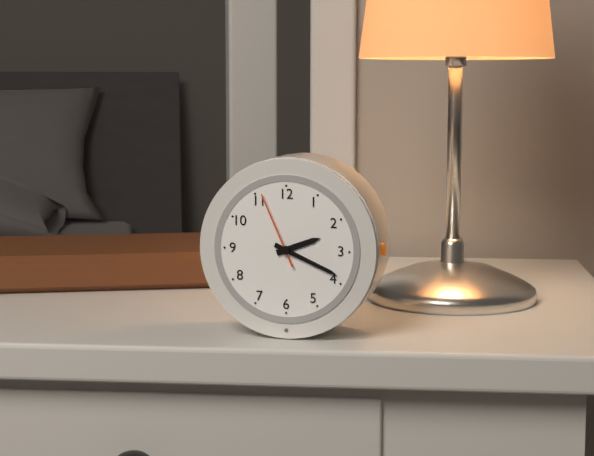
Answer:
**2:19:56**
